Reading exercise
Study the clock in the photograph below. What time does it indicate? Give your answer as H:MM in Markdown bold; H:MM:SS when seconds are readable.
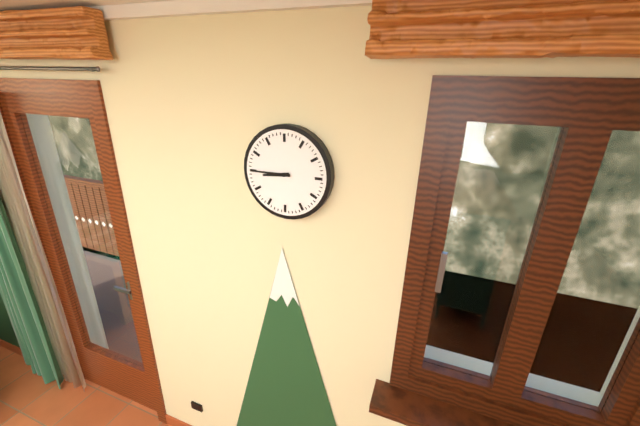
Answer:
**8:45**
